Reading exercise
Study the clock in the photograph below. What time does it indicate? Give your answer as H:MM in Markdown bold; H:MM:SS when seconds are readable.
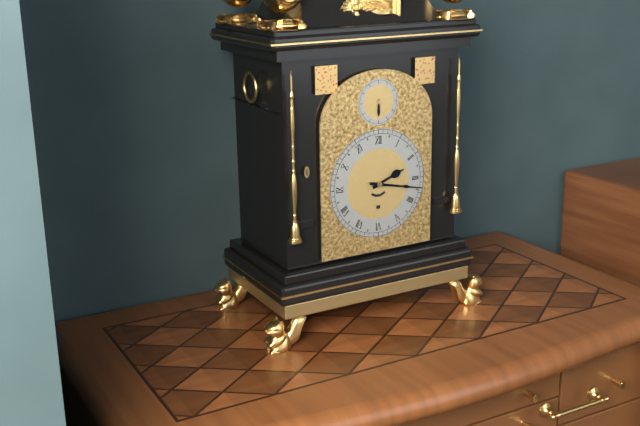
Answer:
**2:17**
